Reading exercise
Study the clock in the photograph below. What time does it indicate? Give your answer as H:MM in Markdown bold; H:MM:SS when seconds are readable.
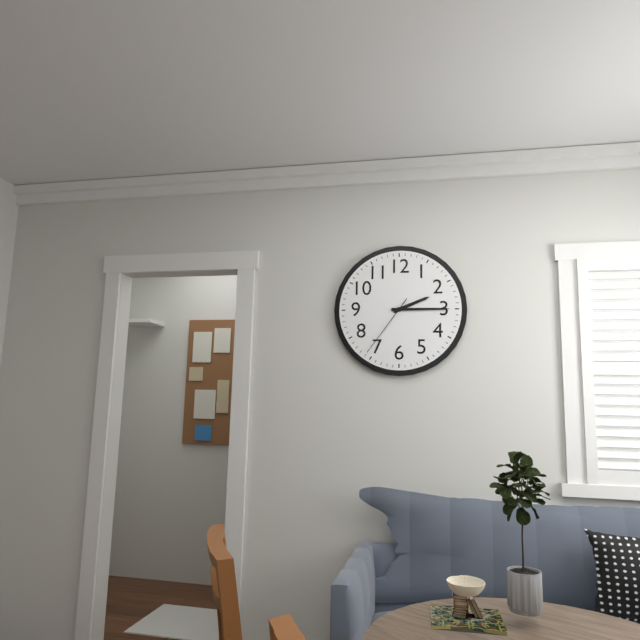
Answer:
**2:15:36**
